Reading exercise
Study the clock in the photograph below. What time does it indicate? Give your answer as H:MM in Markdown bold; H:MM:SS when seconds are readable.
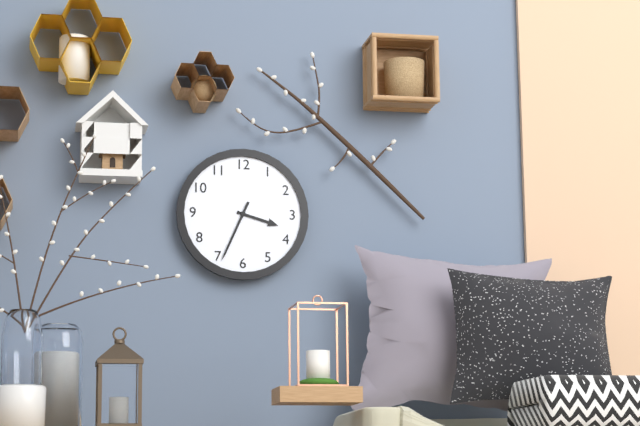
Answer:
**3:34**
